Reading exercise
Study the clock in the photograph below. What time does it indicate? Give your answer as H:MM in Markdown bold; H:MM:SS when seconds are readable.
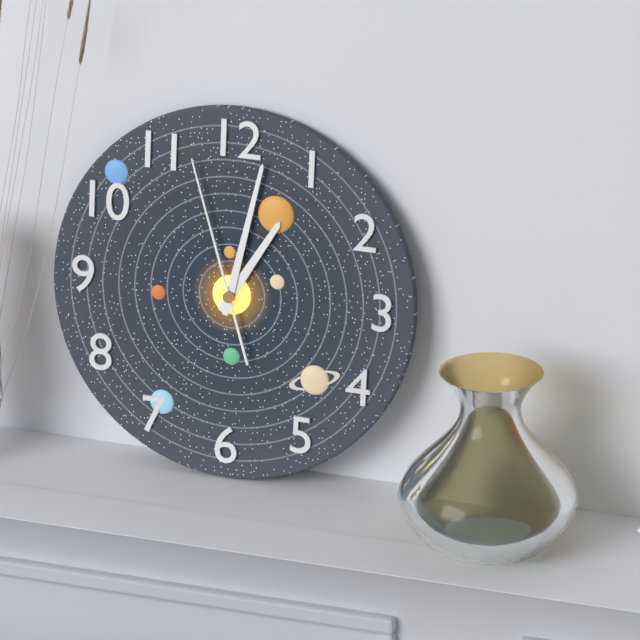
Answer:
**1:02:57**
